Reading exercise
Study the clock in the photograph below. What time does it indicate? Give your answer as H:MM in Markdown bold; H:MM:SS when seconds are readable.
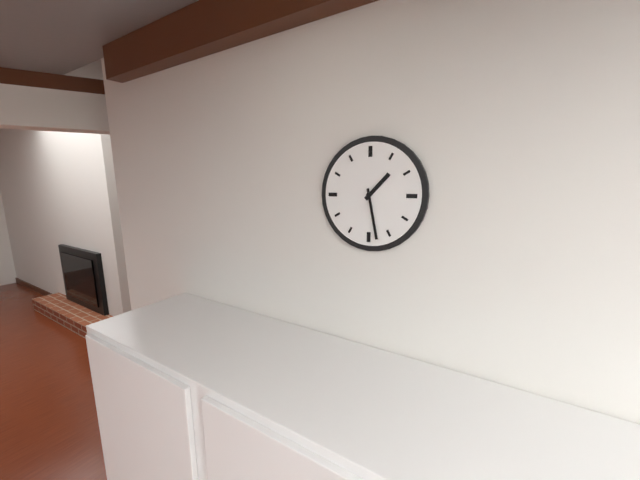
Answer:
**1:28**
